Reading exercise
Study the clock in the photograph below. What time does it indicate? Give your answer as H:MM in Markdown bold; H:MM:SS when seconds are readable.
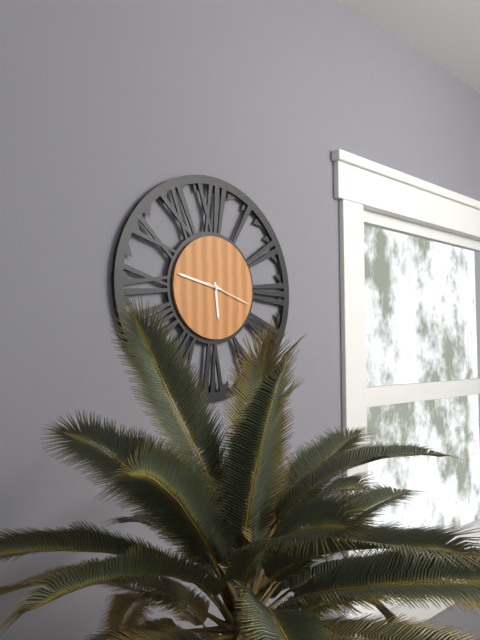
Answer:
**5:47:18**
